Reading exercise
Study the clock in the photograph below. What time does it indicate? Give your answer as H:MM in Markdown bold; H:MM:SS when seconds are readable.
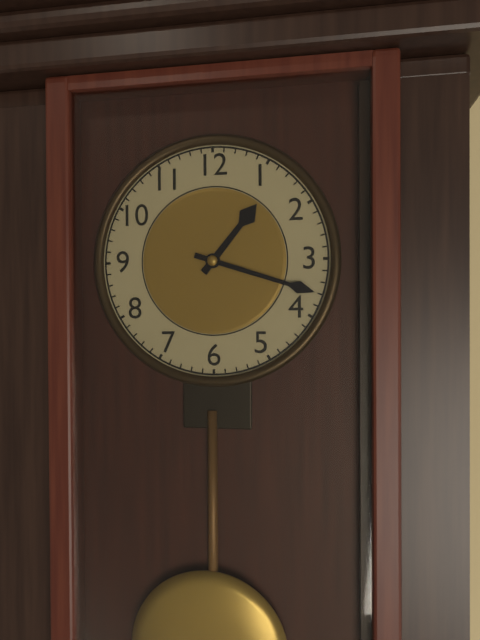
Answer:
**1:18**
